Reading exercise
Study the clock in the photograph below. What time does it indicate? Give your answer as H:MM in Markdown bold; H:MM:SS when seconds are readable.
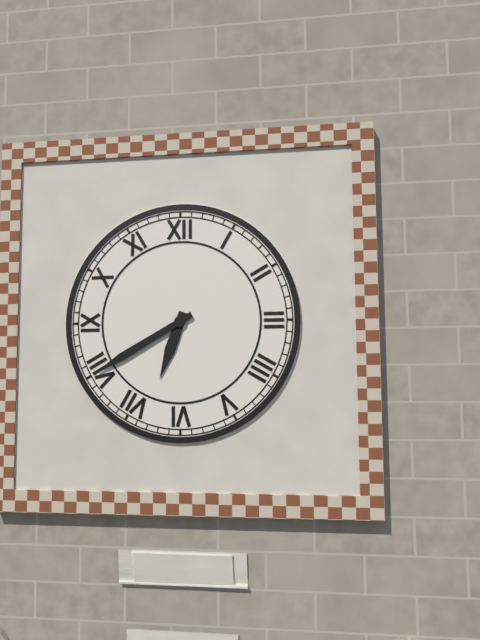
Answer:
**6:40**
